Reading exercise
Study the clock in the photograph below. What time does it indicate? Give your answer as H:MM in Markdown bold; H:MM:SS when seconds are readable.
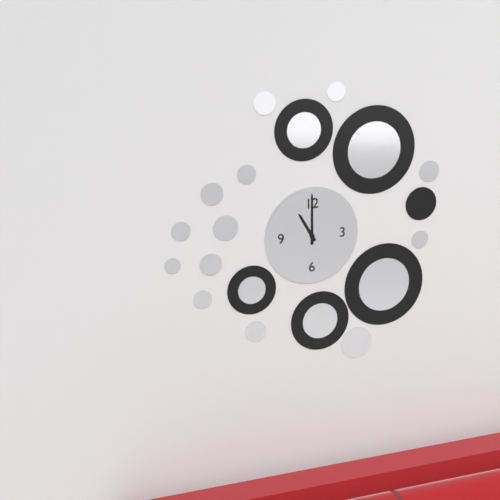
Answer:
**11:00**
